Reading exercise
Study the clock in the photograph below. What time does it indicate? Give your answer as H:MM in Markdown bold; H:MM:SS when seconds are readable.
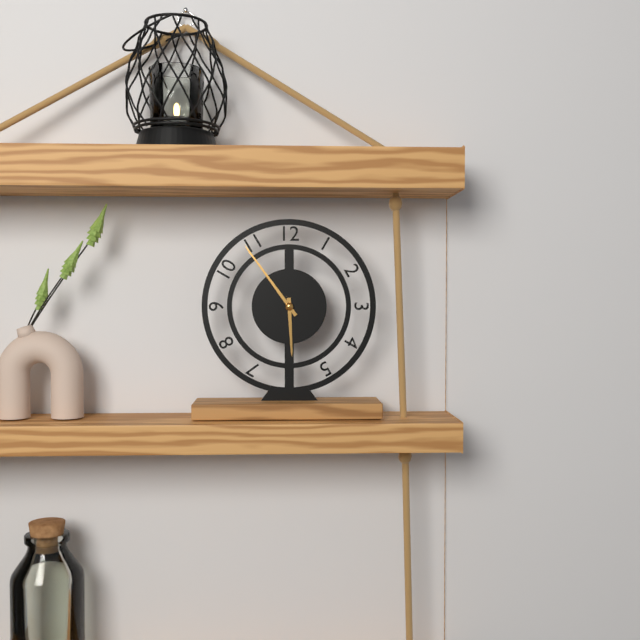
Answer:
**5:54**
